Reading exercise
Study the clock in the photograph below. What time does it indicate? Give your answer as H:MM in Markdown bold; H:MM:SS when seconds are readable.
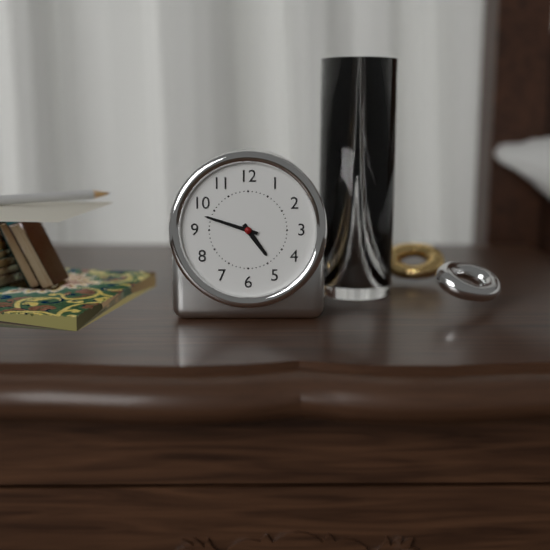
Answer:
**4:48**
